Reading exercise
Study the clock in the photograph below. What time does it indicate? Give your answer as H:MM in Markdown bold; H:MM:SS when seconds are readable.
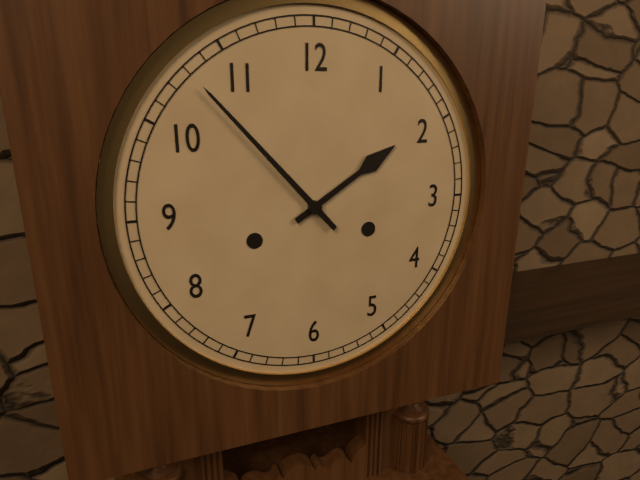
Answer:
**1:53**
